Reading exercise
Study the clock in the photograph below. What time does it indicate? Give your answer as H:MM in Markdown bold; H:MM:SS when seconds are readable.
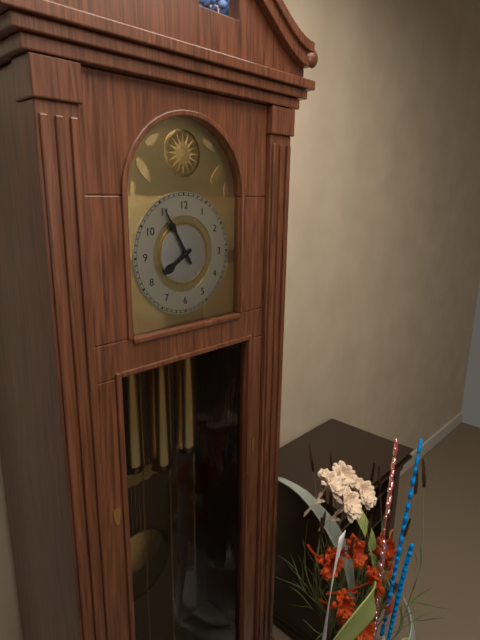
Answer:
**7:55**
